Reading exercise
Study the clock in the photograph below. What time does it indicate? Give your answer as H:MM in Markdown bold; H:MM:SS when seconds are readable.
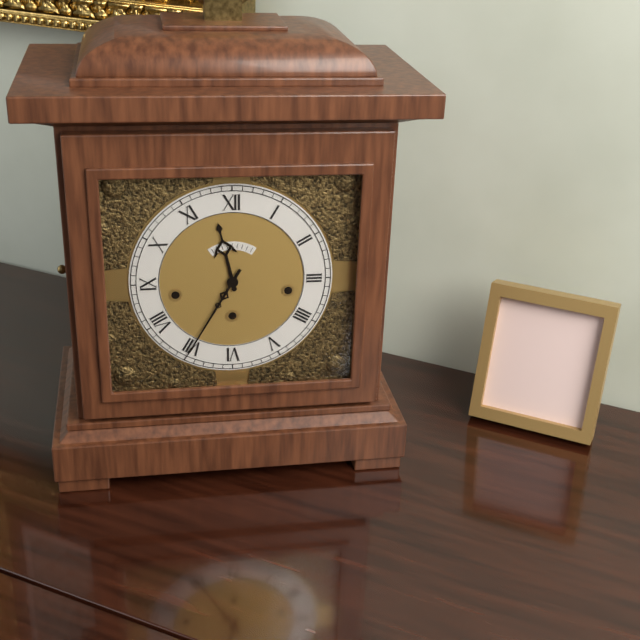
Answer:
**11:35**
